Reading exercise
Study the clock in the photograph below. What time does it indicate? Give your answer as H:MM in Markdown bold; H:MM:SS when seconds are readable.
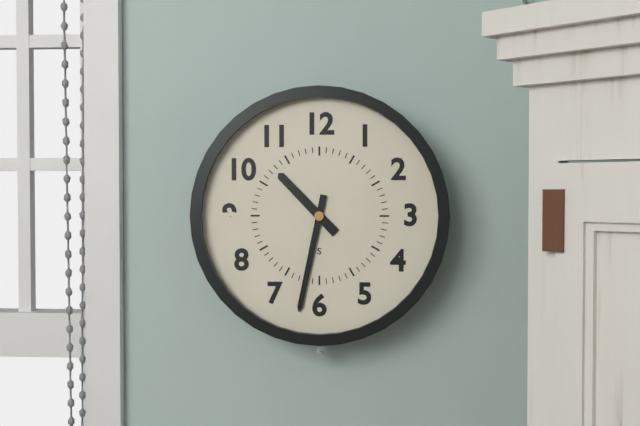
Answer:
**10:32**
